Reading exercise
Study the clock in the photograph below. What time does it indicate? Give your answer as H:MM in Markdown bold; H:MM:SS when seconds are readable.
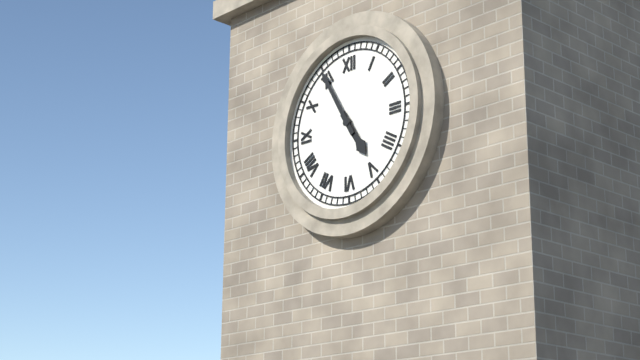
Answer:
**4:55**
